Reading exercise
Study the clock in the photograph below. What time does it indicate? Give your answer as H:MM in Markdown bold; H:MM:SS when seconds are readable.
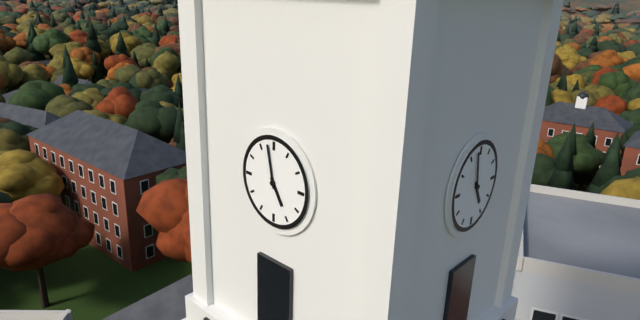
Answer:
**4:58**
